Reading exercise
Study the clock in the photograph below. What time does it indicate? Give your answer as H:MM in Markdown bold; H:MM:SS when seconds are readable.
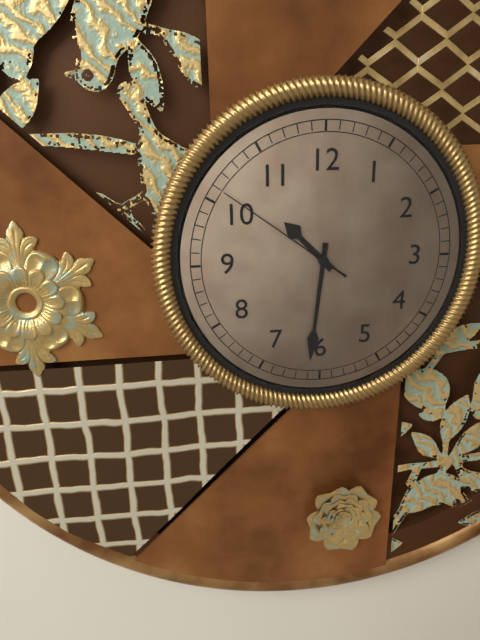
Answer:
**10:31:51**
